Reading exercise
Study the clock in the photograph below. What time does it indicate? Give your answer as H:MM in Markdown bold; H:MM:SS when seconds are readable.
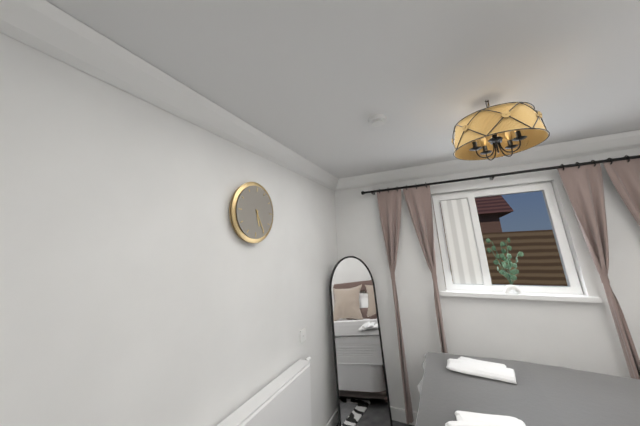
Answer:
**5:25**
